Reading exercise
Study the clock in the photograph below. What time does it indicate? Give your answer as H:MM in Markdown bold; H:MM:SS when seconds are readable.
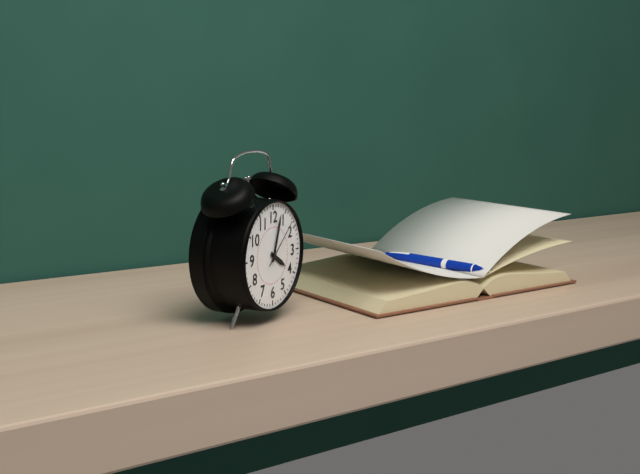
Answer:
**4:03:08**
